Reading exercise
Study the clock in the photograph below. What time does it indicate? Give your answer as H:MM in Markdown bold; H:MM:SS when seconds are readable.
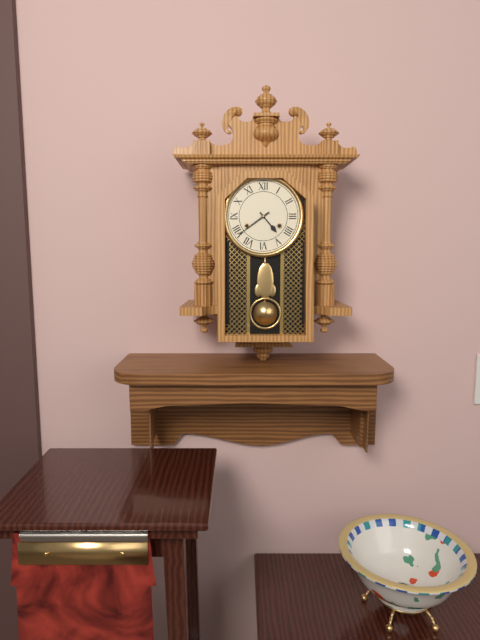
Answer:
**4:39**
